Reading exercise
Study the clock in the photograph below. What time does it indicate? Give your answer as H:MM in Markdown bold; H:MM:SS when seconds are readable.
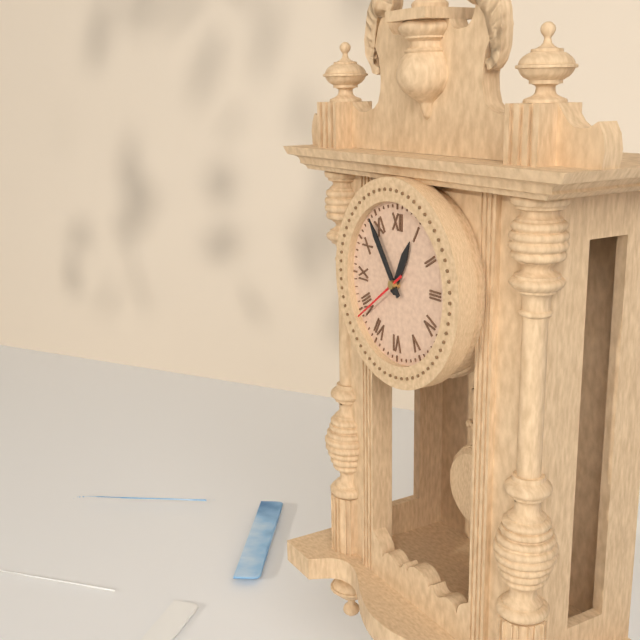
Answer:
**12:54:39**
